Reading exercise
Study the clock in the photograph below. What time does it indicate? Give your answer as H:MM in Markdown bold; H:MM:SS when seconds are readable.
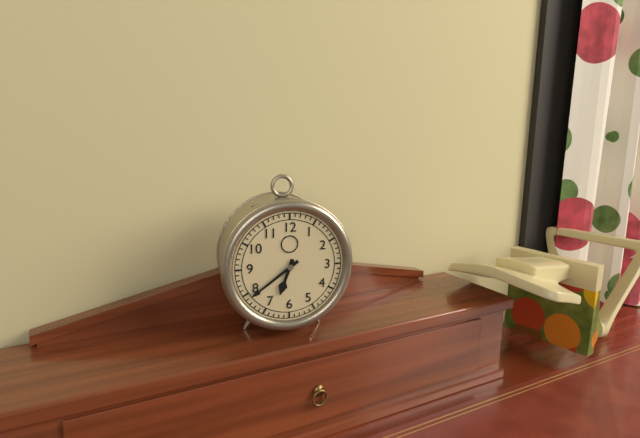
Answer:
**6:39**
